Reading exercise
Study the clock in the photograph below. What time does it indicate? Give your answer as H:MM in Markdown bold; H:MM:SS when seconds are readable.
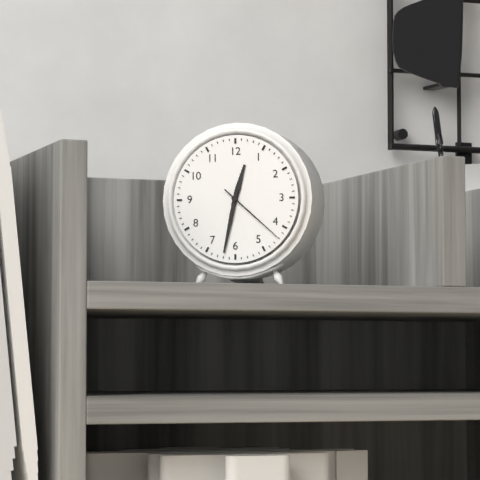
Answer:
**12:32:22**
